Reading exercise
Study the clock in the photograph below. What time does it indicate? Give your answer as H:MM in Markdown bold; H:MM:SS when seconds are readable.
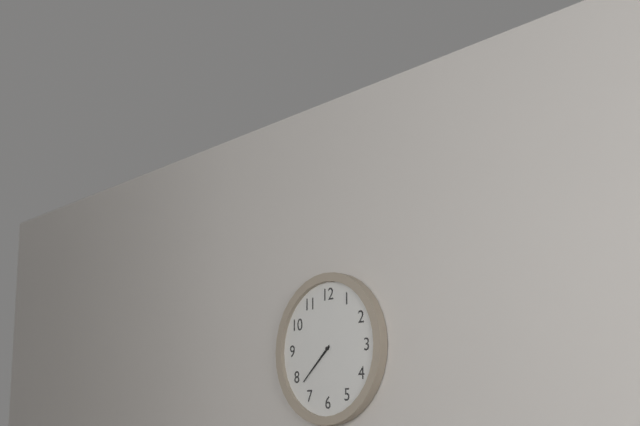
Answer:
**7:38**
